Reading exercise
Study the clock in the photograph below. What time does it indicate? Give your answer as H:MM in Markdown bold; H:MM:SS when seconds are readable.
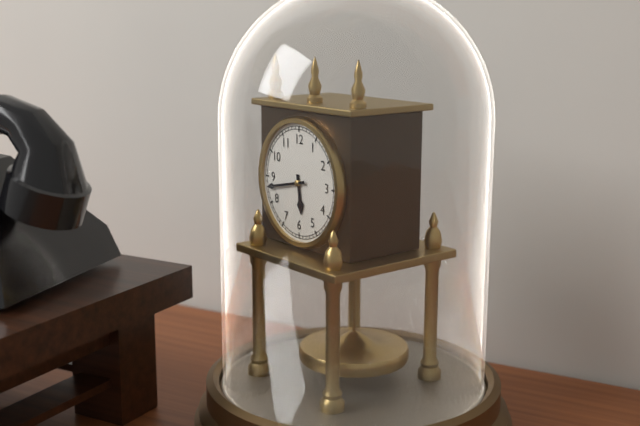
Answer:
**5:43**
